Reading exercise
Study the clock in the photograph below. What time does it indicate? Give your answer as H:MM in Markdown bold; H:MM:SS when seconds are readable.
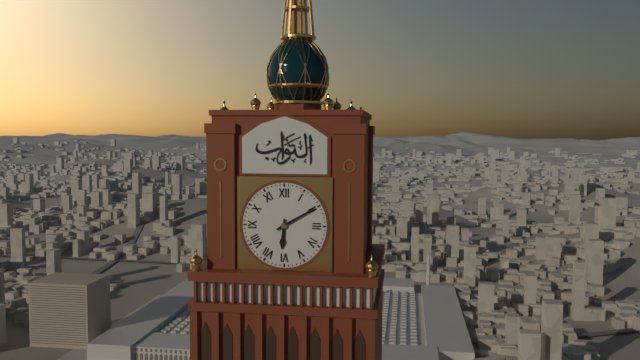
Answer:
**6:10**
